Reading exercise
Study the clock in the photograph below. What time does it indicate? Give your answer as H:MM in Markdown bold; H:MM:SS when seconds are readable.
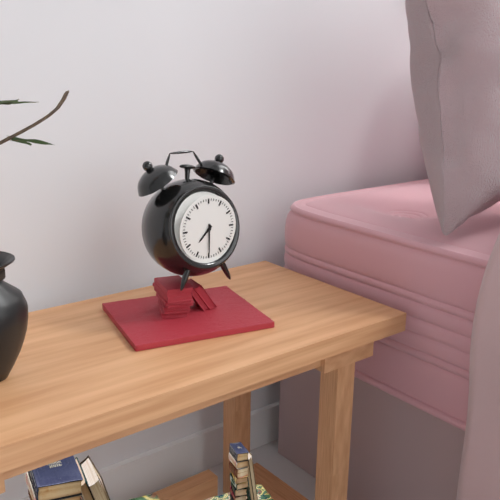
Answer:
**7:30**
